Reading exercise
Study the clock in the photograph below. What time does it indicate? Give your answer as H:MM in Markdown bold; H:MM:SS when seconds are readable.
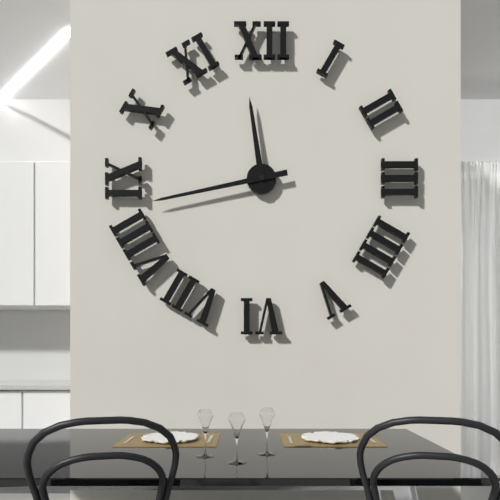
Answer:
**11:43**
